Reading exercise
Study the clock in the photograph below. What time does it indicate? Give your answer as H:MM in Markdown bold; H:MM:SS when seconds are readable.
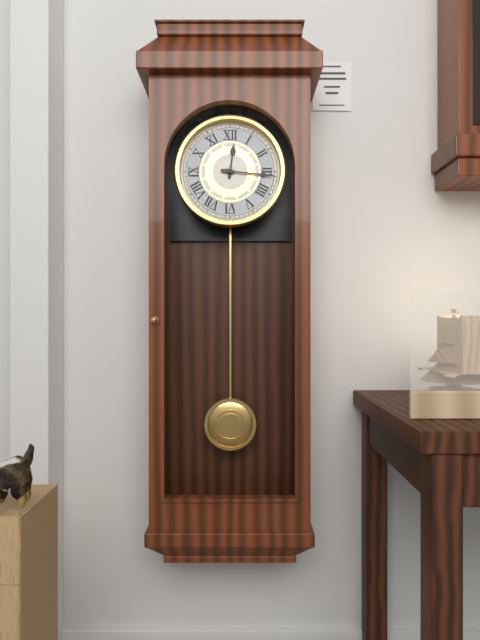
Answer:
**12:16**
